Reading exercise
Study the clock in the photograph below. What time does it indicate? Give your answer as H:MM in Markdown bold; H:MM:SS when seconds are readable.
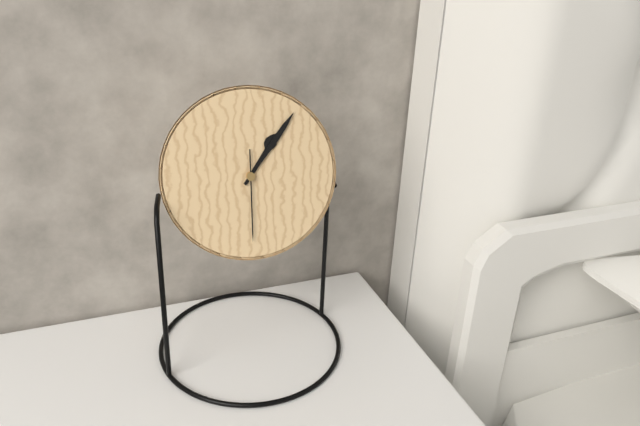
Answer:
**1:06:30**
